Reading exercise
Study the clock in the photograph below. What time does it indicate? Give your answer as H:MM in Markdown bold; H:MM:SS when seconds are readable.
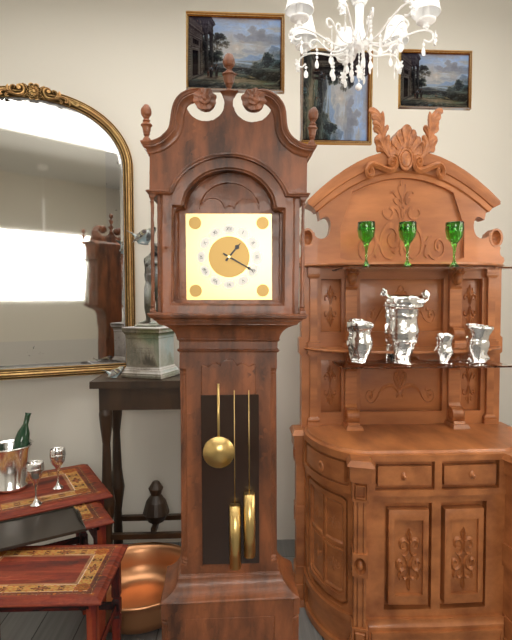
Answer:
**1:20**
